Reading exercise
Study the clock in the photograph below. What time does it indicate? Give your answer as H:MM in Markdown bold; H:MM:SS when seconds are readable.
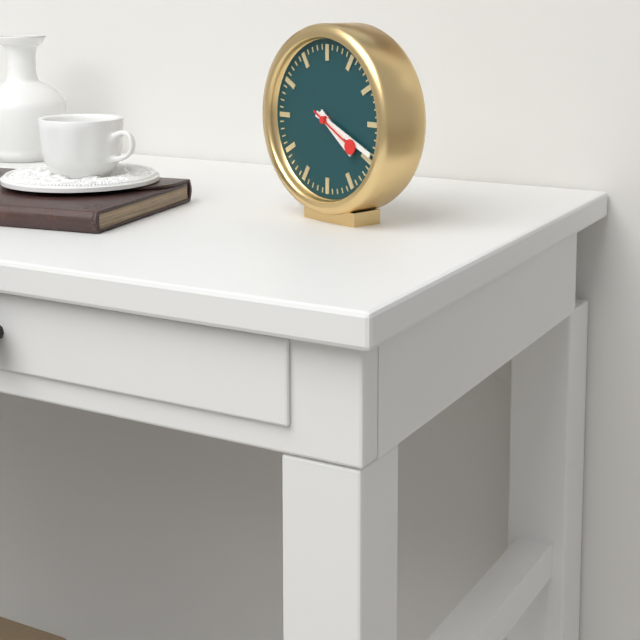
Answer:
**4:19**
